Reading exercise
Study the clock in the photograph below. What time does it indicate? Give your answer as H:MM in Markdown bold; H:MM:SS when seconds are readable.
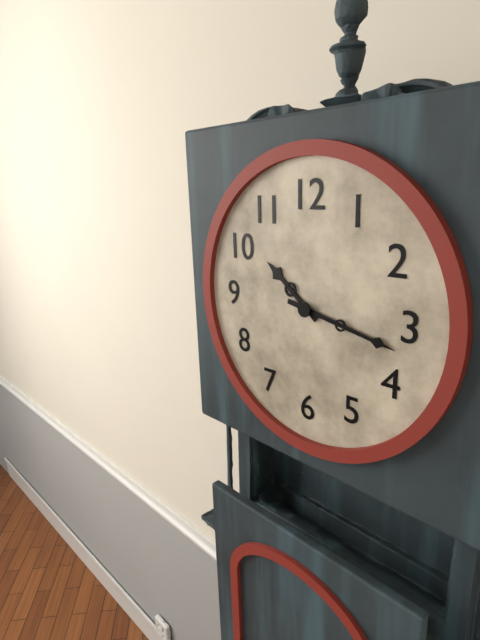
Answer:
**10:17**
